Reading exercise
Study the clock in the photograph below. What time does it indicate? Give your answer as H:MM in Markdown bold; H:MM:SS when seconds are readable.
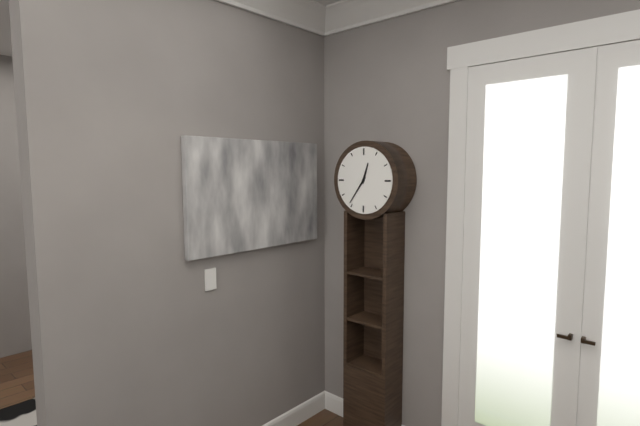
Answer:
**12:36**
